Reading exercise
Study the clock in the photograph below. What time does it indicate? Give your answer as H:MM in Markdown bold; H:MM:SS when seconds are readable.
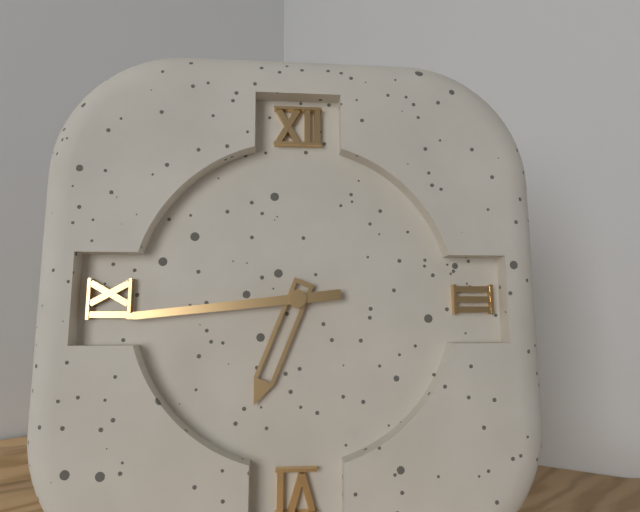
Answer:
**6:44**
